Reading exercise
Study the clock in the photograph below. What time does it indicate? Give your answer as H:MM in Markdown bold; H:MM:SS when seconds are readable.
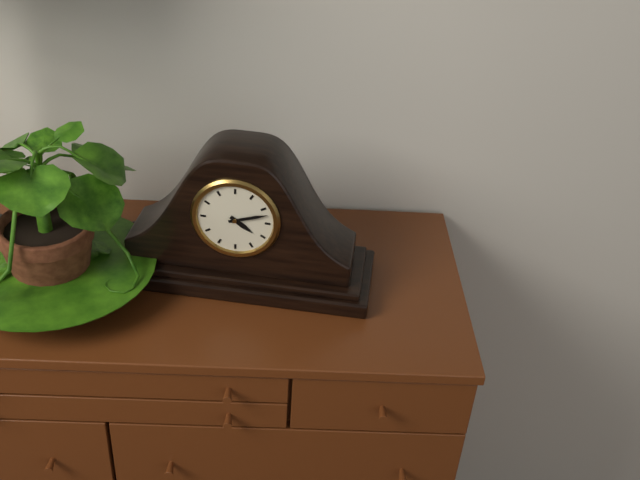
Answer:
**4:12**
